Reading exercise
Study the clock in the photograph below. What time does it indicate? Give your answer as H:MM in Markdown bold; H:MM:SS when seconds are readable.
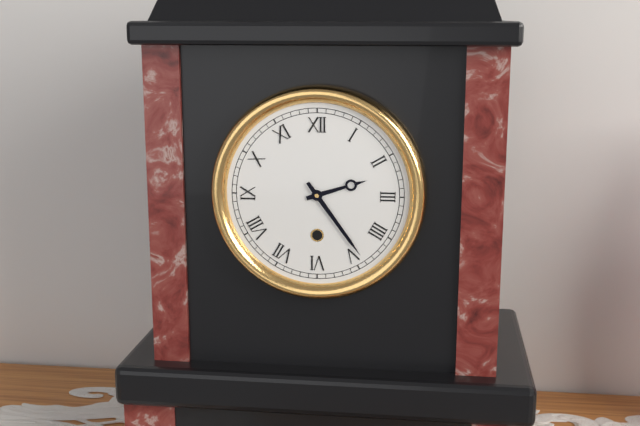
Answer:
**2:24**
